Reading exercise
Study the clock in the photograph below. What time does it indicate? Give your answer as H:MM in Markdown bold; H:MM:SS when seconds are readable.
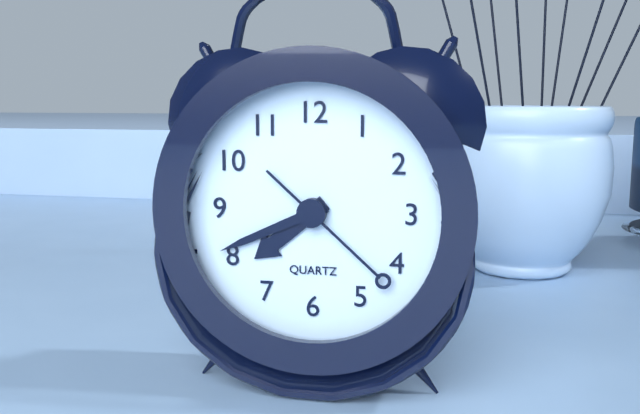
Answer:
**7:41:22**
